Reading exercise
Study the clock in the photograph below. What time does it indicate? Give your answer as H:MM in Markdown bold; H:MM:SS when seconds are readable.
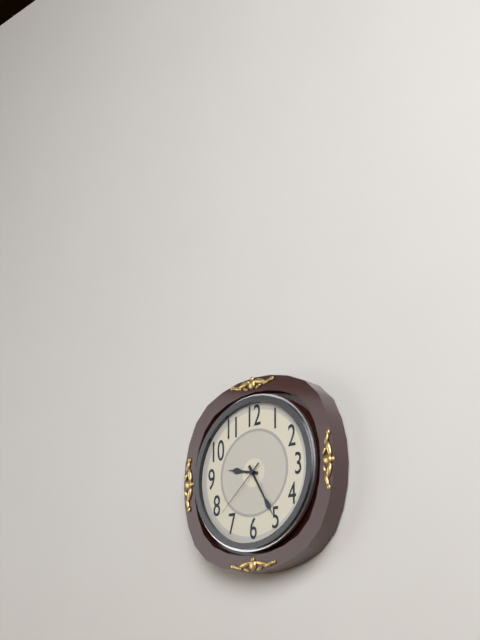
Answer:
**9:25:38**
